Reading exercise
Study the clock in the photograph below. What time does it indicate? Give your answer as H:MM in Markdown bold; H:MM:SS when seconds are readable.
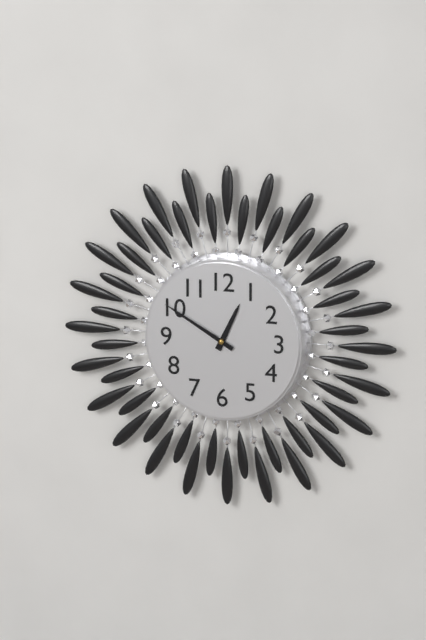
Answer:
**12:50**
